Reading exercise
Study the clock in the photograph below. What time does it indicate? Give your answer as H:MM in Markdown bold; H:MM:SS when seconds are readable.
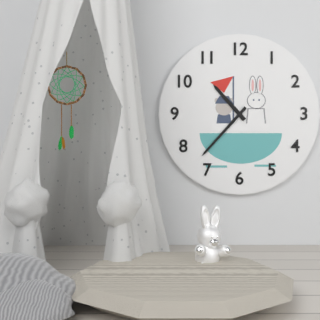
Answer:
**10:37**
